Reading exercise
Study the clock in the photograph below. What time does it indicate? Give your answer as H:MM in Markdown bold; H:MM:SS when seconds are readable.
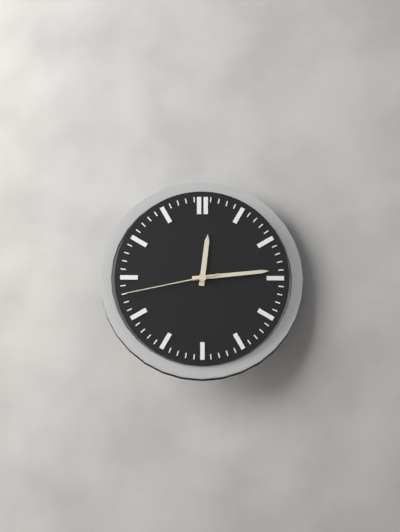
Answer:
**12:14:43**
